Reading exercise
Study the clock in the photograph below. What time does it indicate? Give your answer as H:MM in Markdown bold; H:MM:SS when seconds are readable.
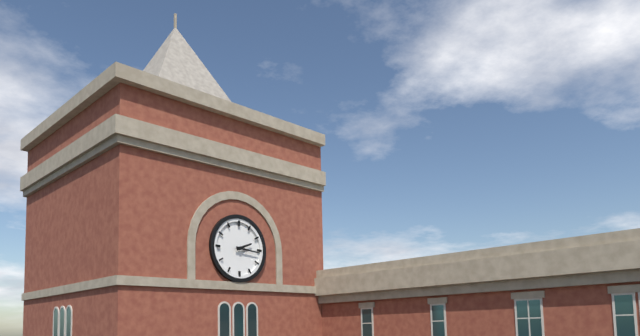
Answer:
**2:16**
